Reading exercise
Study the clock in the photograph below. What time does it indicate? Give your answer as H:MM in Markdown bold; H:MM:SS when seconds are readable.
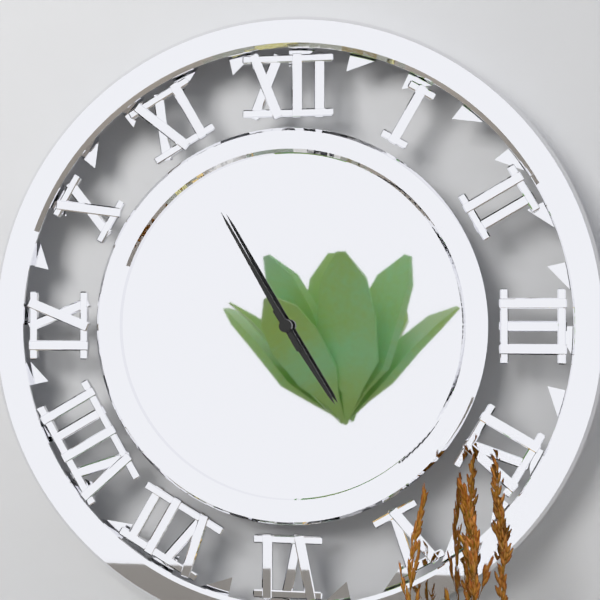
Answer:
**4:55**
